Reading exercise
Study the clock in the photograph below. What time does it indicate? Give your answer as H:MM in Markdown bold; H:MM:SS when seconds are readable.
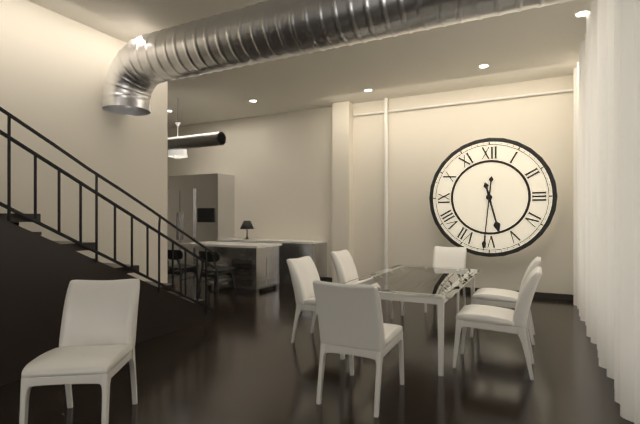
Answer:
**5:31**
